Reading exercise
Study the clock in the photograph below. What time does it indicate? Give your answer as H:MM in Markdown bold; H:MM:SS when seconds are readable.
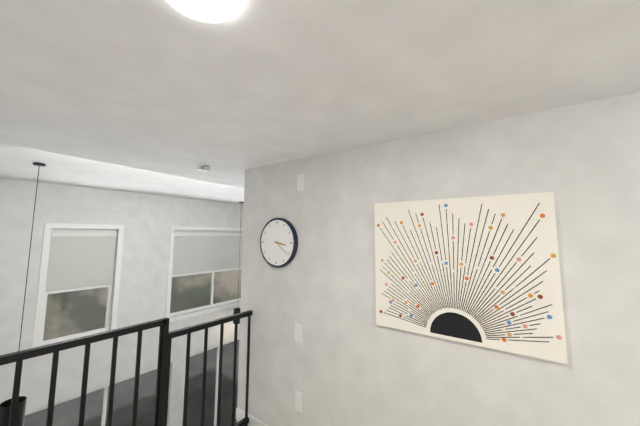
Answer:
**3:21**
